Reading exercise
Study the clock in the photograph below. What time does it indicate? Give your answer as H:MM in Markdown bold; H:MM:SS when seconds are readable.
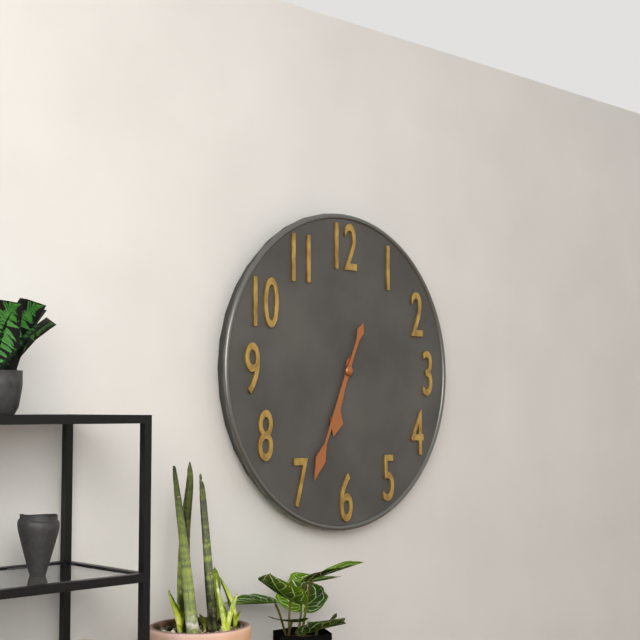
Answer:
**6:34**
